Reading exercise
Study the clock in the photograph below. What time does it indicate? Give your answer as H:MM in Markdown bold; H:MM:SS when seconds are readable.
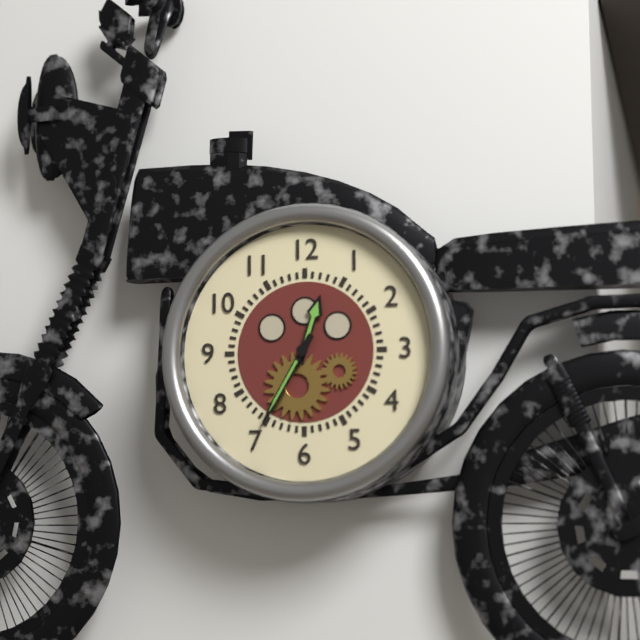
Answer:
**12:35**
